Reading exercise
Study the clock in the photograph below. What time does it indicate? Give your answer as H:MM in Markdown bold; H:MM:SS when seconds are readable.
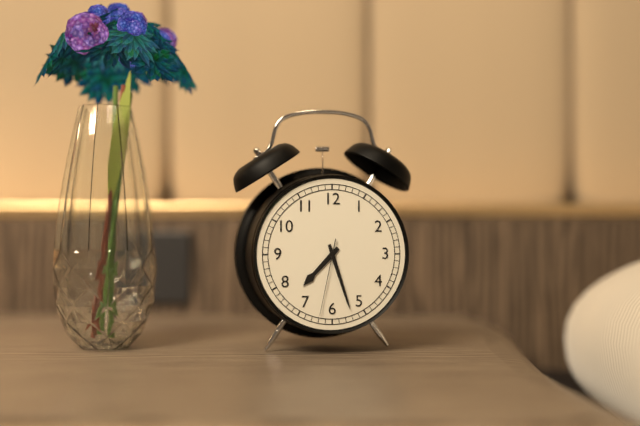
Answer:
**7:27:32**
